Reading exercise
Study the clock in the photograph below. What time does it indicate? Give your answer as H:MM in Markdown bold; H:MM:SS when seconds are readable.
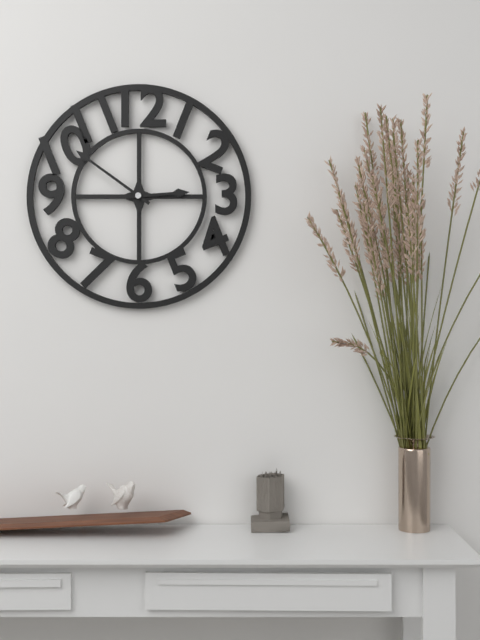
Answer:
**2:51**
